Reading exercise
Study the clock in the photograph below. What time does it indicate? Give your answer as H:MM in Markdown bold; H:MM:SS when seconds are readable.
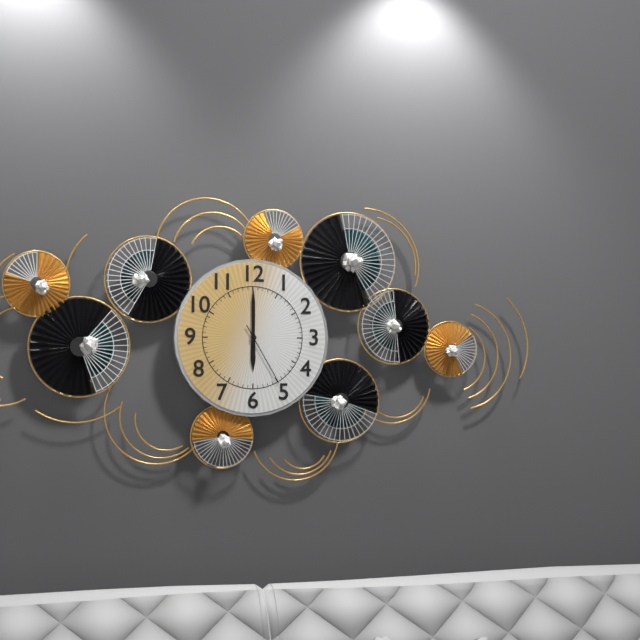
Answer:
**6:00:25**
